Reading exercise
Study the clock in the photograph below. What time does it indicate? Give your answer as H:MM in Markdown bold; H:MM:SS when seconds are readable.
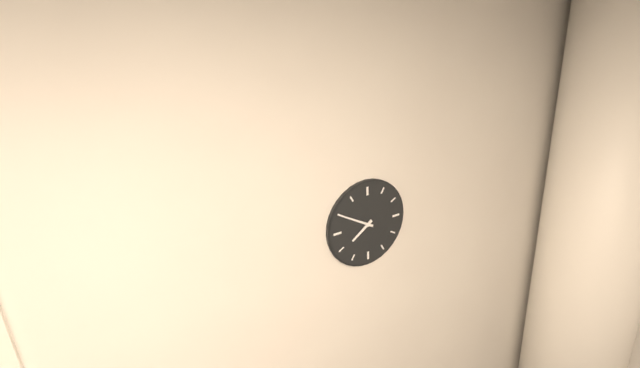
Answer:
**7:50**
